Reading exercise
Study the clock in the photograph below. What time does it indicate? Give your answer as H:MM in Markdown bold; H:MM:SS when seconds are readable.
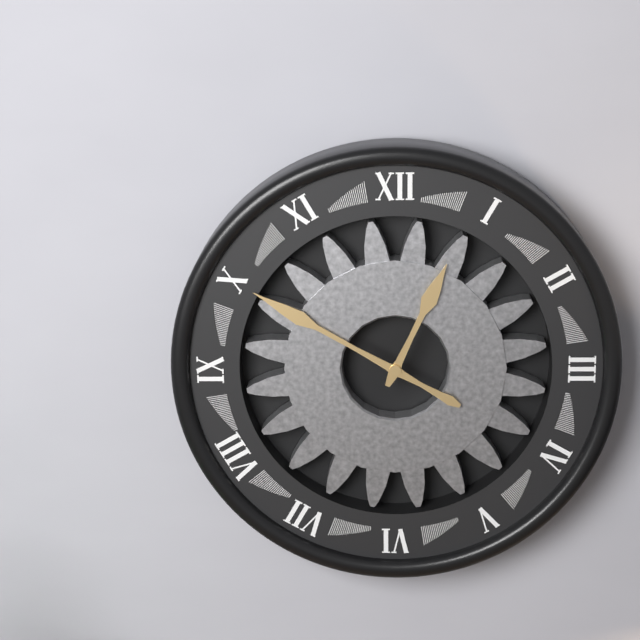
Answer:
**12:50**
